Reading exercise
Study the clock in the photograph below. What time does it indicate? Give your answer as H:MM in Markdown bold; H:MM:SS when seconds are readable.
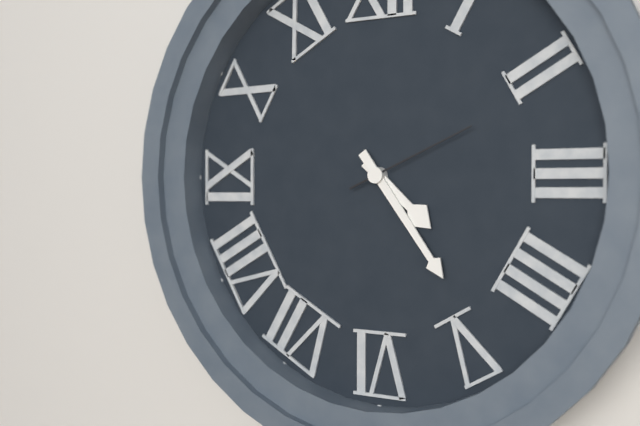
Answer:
**4:24:11**
